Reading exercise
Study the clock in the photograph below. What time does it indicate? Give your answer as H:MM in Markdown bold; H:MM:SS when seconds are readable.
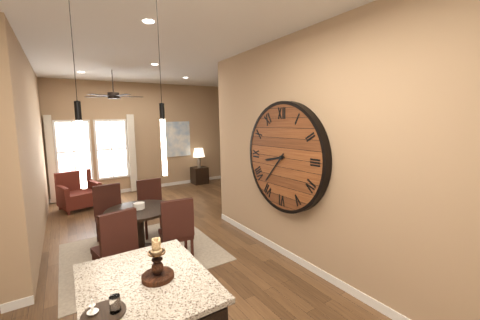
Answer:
**8:37**
